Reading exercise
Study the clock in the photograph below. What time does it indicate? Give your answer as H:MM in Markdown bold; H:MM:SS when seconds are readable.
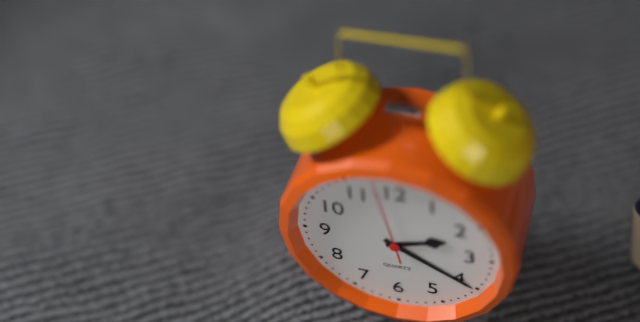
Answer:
**2:20:58**
